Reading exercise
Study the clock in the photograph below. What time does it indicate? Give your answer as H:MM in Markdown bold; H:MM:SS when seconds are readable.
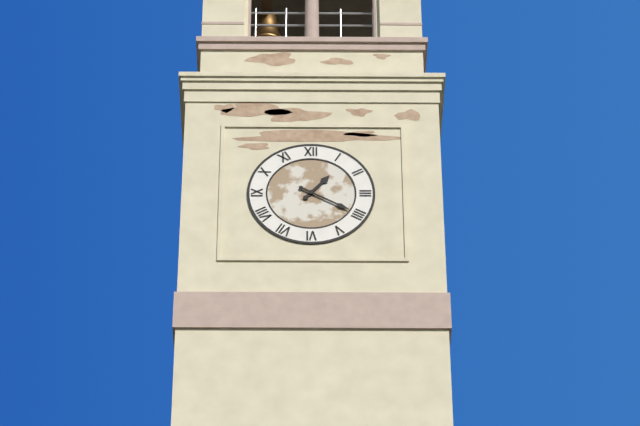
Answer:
**1:20**
